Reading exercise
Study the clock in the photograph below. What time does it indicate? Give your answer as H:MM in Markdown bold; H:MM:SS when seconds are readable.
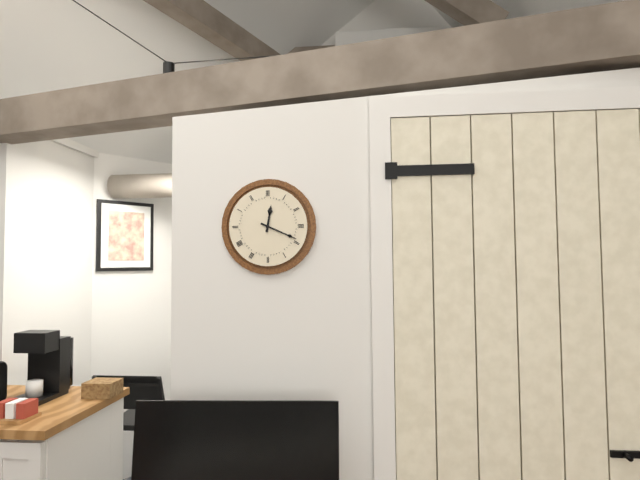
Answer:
**12:19**
